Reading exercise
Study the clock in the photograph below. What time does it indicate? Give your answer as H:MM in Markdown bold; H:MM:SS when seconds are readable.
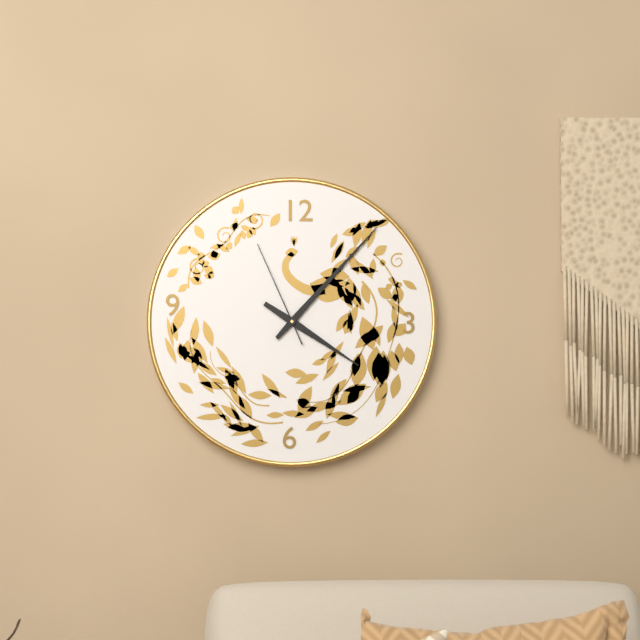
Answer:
**4:07:56**
